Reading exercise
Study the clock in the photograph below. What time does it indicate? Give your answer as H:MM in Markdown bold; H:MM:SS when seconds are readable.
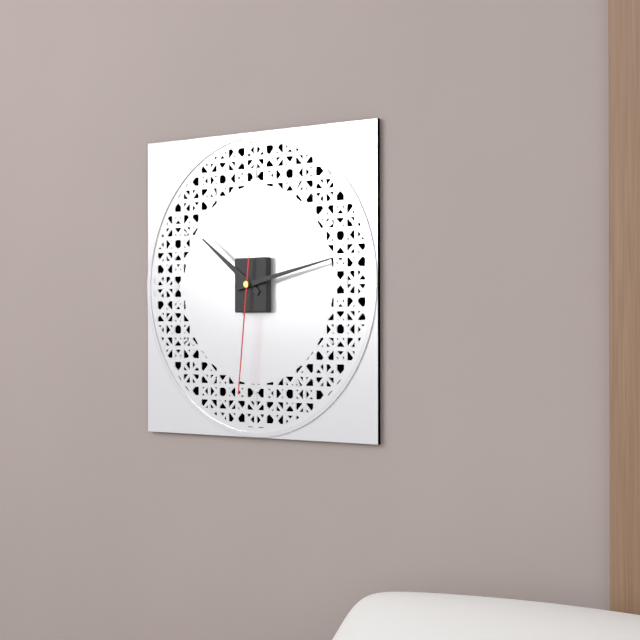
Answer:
**10:13:31**
